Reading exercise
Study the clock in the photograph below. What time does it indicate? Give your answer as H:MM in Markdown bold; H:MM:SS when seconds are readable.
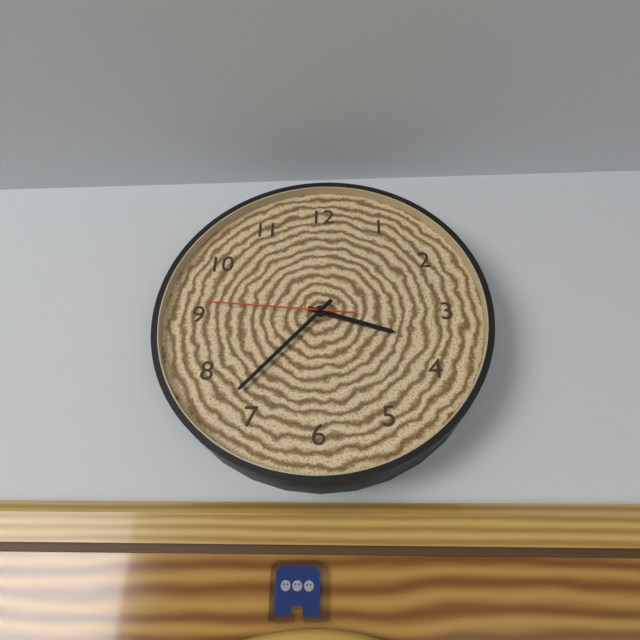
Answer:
**3:37:46**
